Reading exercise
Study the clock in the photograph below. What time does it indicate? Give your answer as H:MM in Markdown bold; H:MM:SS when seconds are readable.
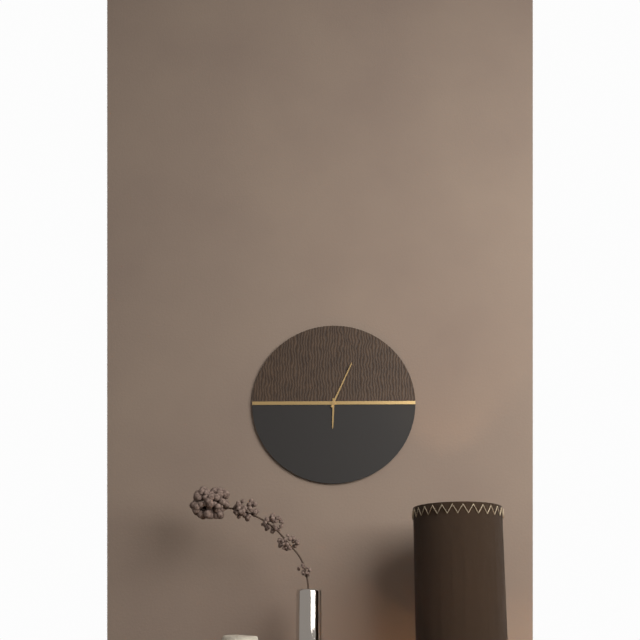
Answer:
**6:04**
